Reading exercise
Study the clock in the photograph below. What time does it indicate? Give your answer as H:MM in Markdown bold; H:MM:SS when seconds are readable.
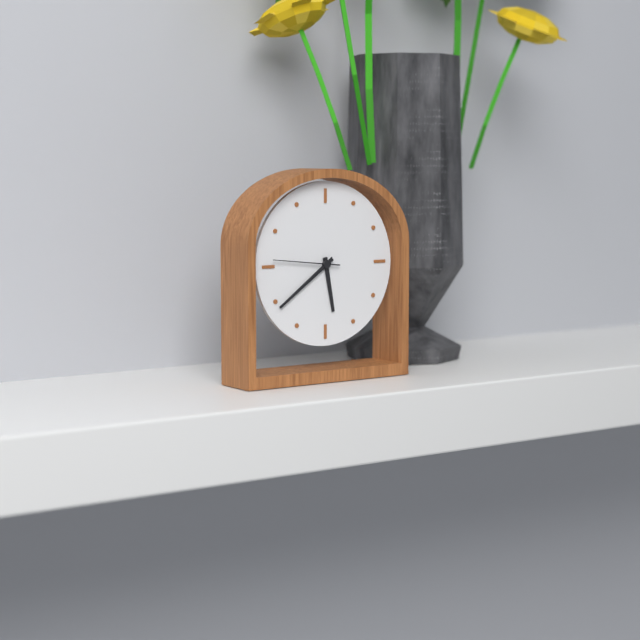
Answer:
**5:39:46**
